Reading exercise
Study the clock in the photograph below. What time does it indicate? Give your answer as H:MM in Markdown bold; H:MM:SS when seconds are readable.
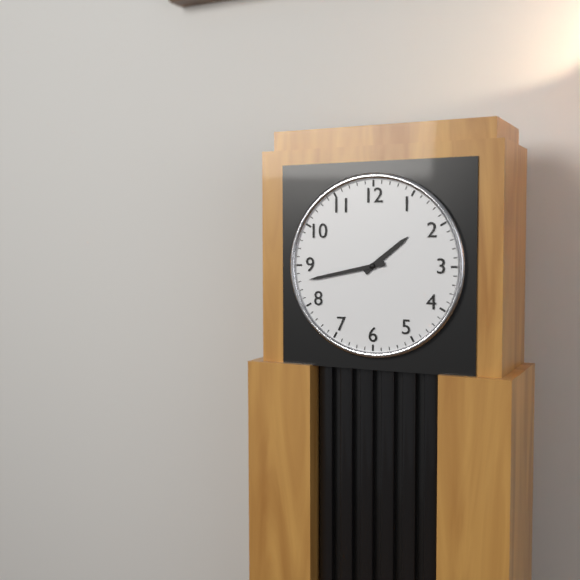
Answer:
**1:43**
